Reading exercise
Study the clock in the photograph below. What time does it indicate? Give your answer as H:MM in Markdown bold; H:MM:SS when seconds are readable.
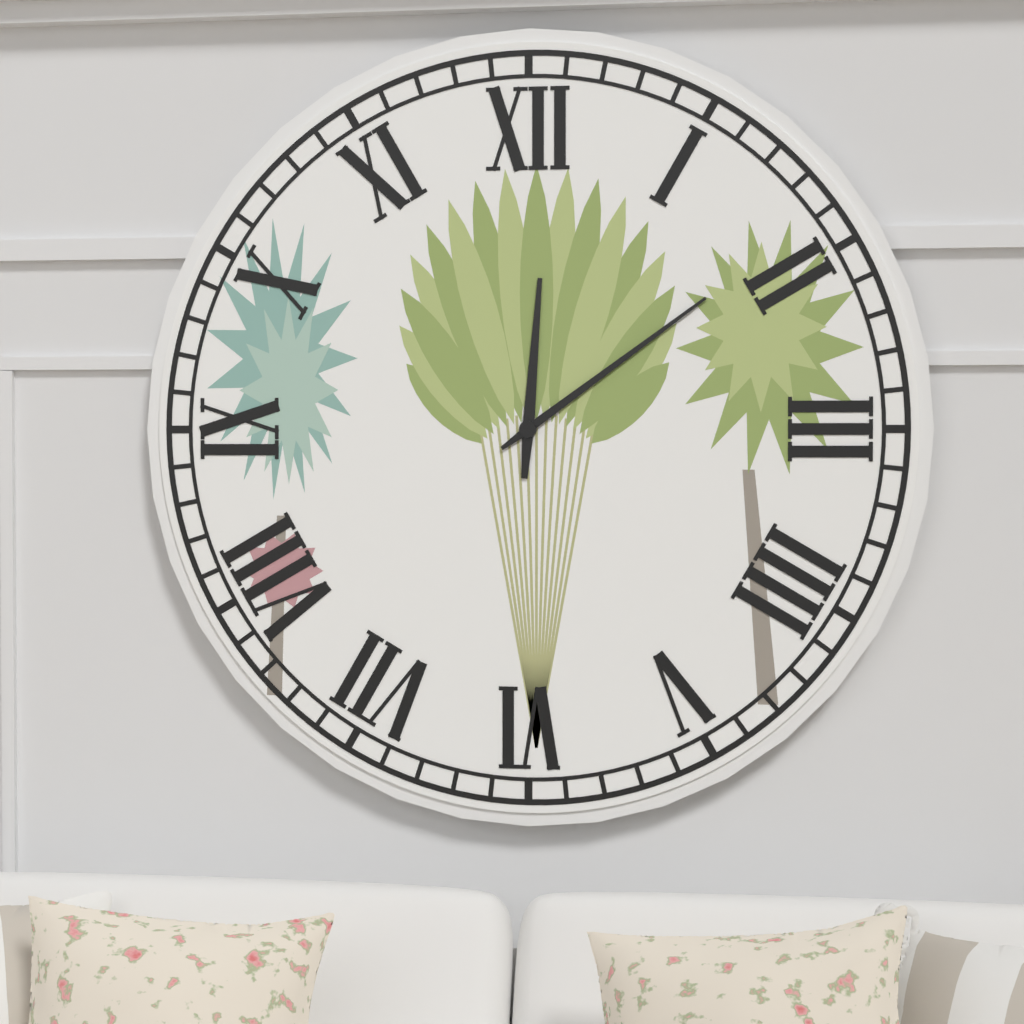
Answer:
**12:09**
